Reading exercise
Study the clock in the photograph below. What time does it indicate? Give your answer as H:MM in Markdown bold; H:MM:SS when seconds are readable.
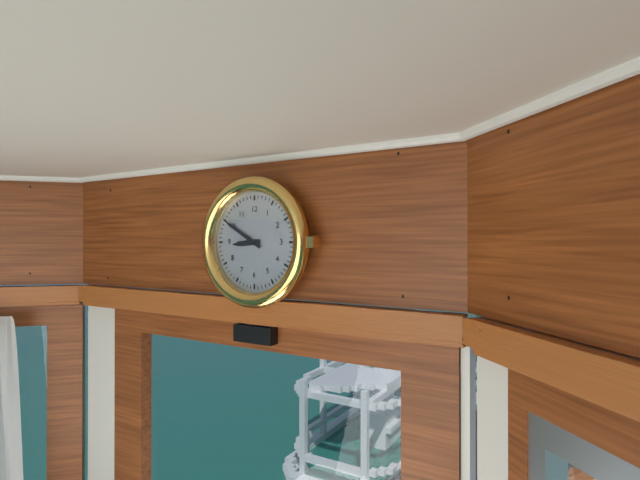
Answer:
**8:50**
